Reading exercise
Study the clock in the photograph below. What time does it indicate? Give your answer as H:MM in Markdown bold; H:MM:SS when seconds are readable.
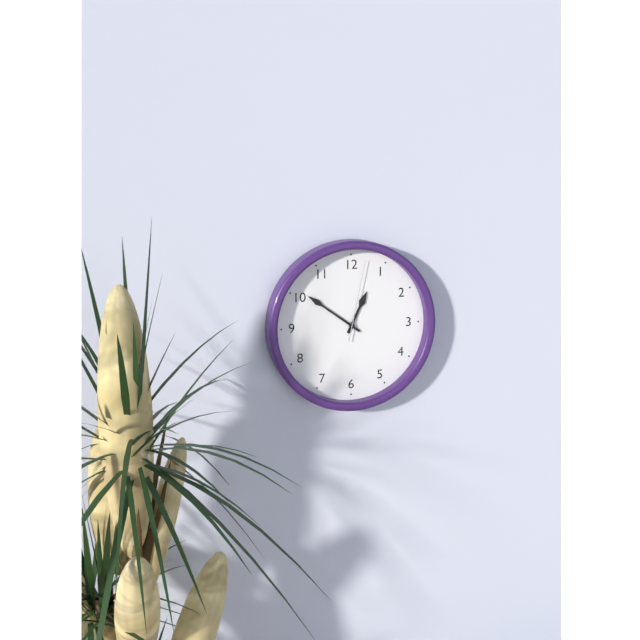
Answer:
**12:51:02**
